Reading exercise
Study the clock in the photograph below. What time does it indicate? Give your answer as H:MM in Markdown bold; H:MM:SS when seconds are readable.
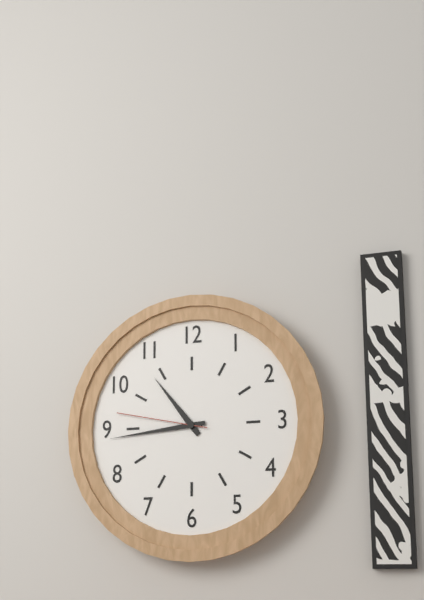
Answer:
**10:44:47**
